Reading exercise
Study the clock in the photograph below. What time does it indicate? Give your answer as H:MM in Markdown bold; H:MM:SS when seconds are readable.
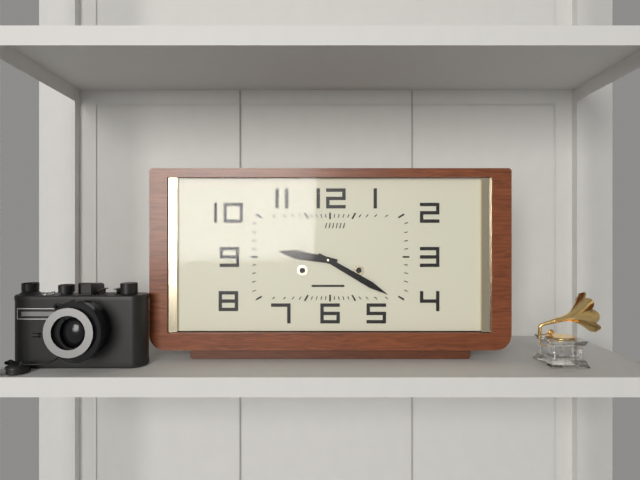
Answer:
**9:20**
